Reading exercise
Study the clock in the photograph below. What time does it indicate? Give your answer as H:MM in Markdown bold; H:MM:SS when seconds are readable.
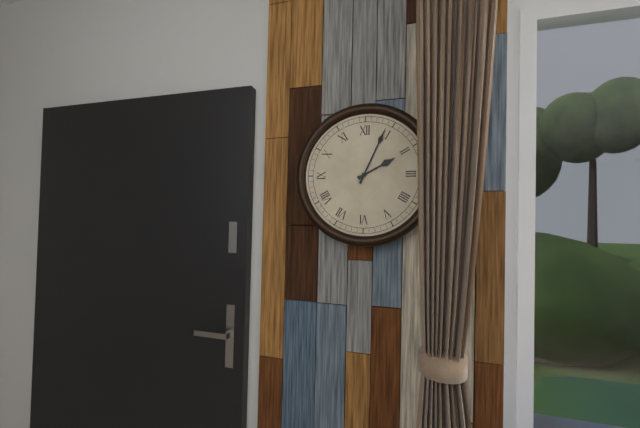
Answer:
**2:04**
